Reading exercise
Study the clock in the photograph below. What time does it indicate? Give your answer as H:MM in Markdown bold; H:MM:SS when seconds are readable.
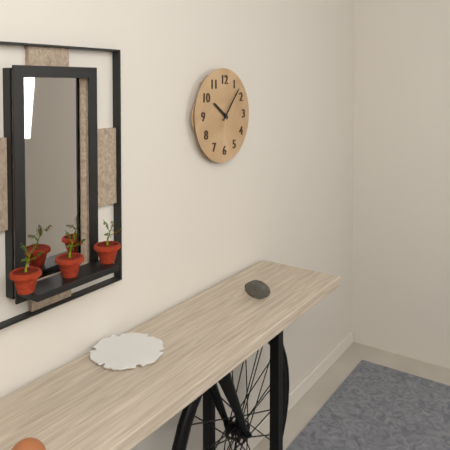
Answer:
**10:07**
